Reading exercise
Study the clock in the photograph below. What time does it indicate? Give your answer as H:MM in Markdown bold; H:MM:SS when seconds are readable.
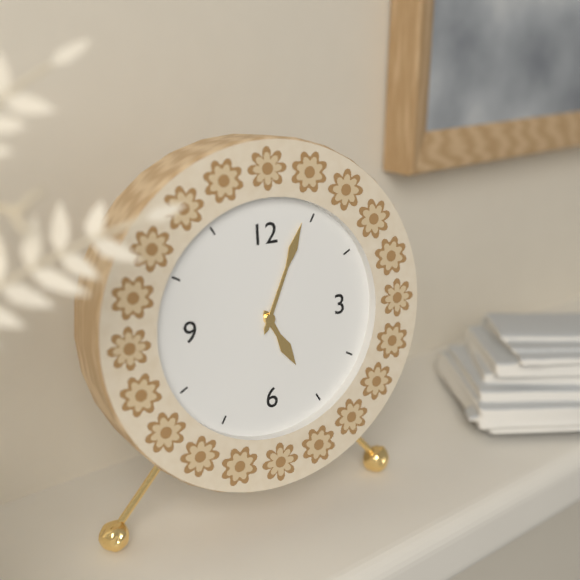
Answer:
**5:04**
